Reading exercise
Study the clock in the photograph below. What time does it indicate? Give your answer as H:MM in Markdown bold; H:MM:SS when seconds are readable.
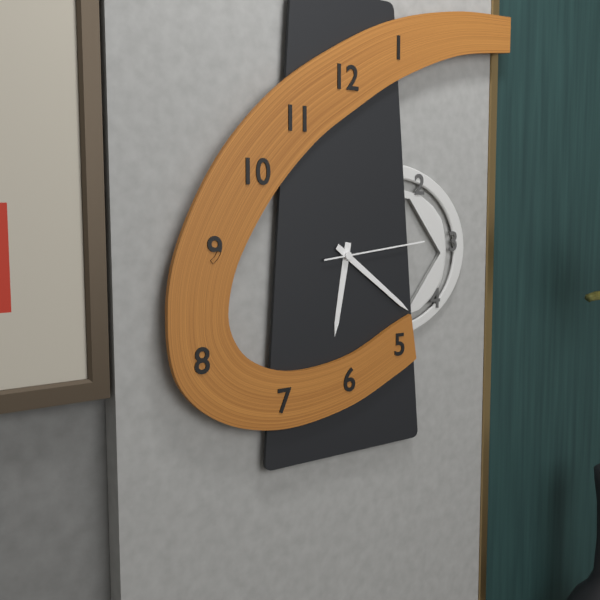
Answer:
**6:21:14**
